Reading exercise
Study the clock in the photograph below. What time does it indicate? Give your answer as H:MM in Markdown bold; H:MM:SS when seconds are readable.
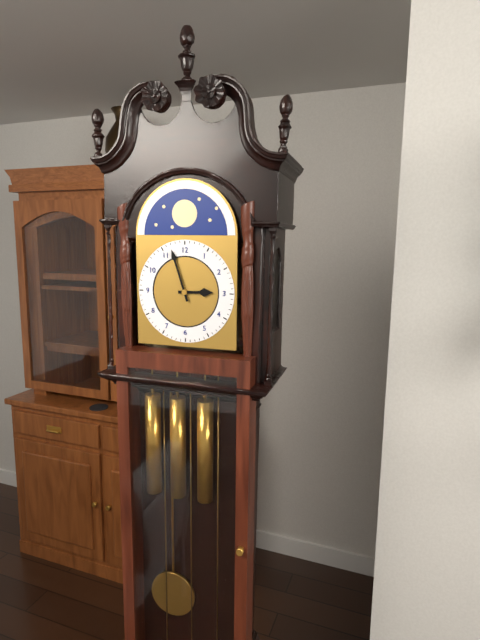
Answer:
**2:57**
